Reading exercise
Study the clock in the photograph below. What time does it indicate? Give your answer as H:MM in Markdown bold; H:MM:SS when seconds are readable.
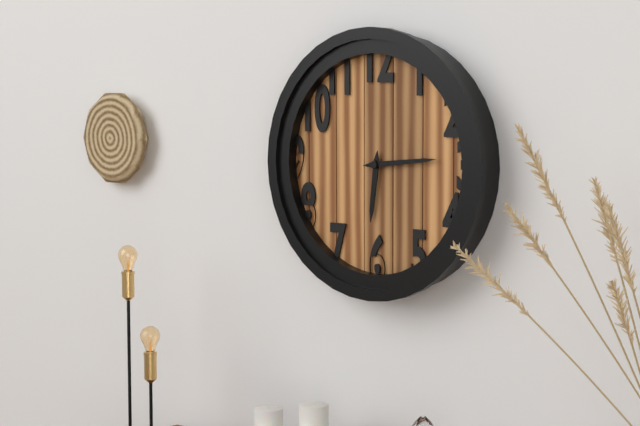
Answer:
**6:14**
